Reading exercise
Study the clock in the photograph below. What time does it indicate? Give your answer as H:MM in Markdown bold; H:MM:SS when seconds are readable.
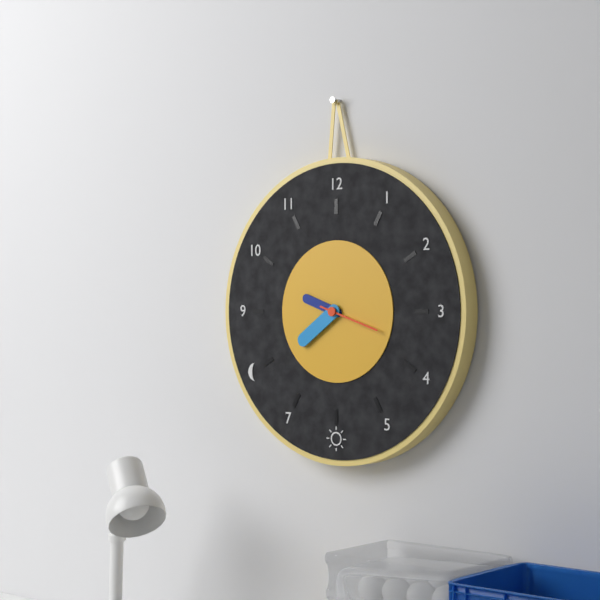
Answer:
**9:39:18**
